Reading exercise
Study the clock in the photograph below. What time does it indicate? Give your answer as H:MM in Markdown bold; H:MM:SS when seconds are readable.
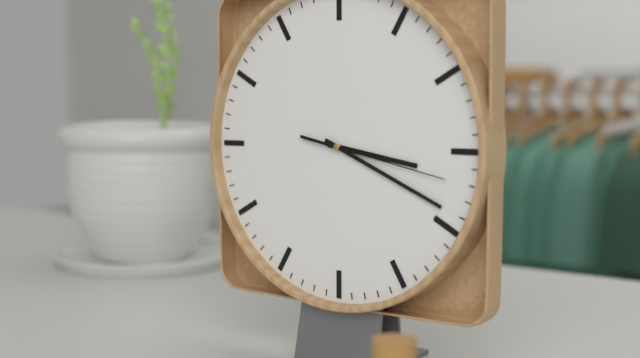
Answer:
**3:19:17**
